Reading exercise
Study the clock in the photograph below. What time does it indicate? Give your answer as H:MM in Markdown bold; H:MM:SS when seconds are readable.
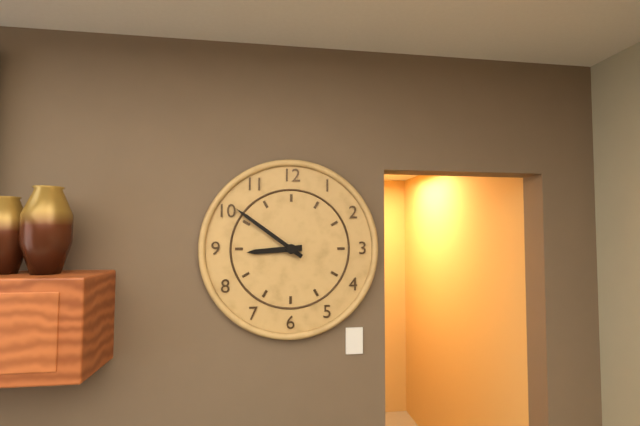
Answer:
**8:51**
